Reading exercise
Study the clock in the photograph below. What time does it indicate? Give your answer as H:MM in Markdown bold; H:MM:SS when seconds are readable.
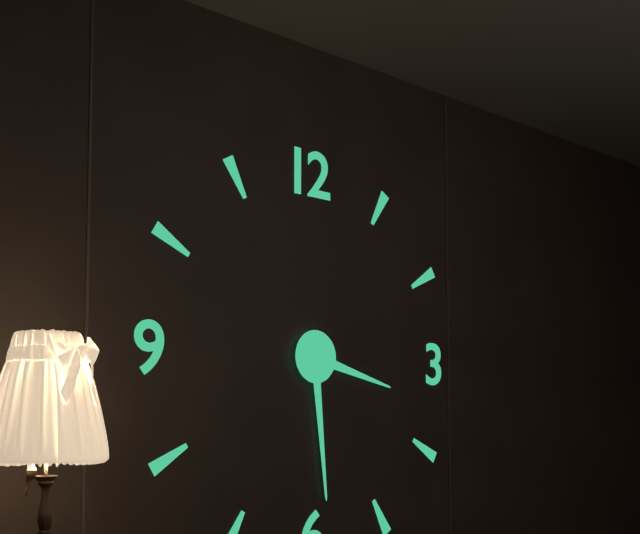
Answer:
**3:29**
